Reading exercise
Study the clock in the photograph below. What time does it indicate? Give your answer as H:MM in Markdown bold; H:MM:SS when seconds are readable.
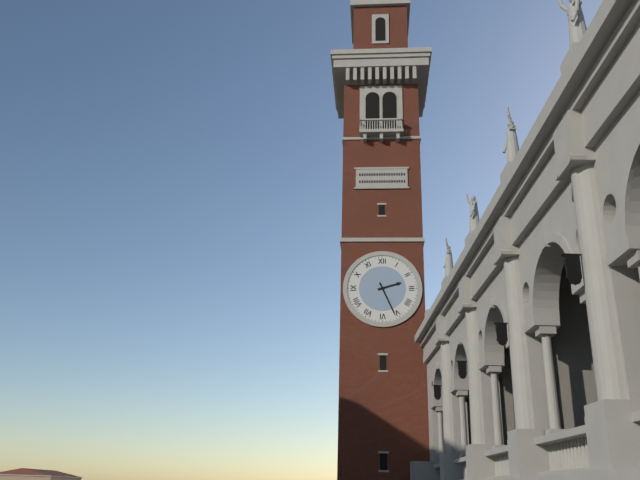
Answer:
**2:26**
